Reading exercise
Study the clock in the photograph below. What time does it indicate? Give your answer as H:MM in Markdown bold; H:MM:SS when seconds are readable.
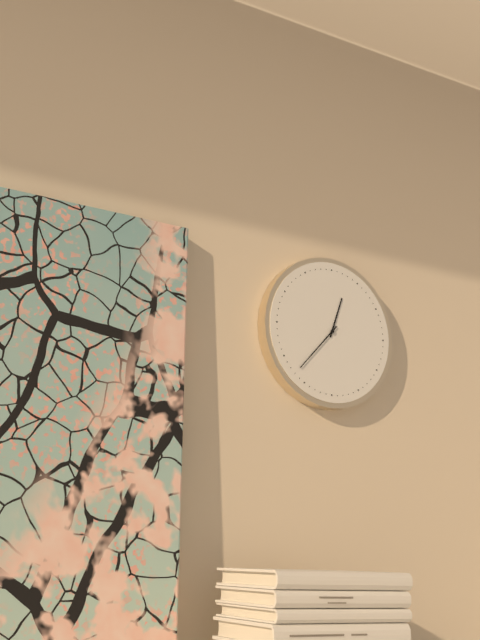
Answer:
**12:37**
